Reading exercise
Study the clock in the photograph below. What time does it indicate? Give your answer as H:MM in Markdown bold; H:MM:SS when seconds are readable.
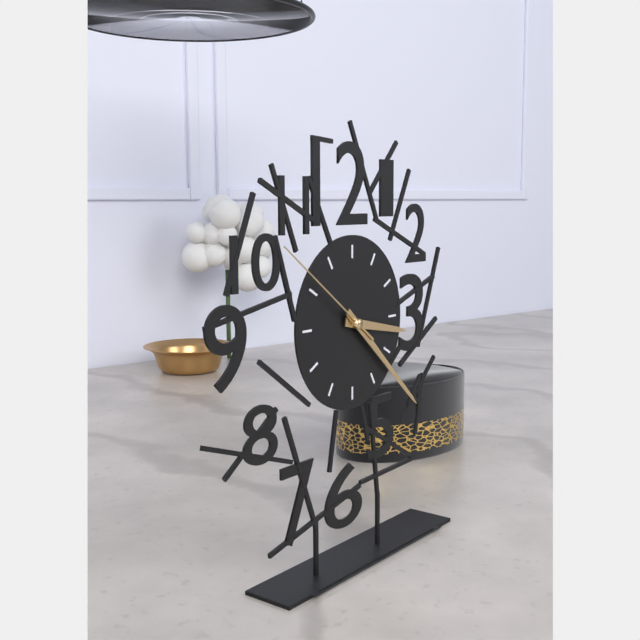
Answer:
**3:22:51**
